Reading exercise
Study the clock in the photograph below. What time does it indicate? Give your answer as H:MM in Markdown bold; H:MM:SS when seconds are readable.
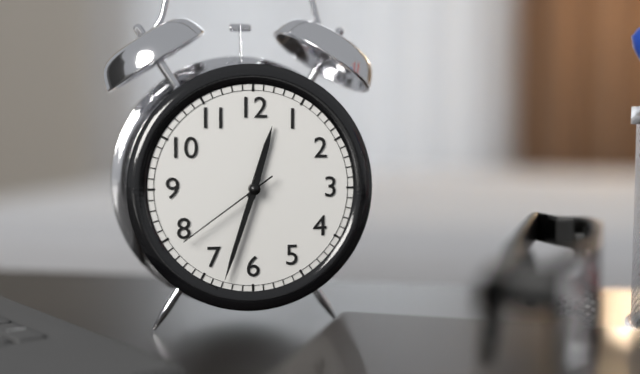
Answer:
**12:33:39**
